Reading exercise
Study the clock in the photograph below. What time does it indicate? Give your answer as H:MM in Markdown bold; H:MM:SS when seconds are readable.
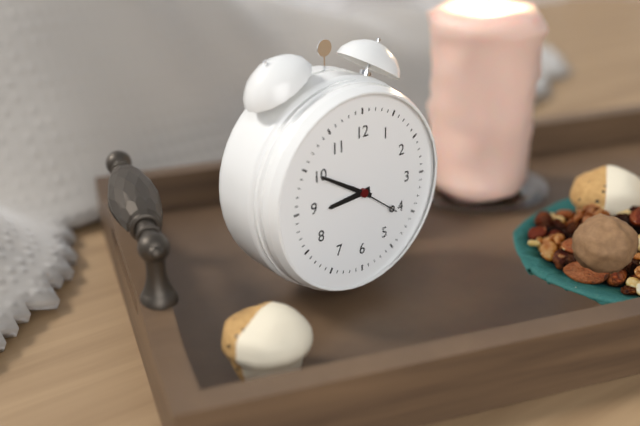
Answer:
**8:50**
